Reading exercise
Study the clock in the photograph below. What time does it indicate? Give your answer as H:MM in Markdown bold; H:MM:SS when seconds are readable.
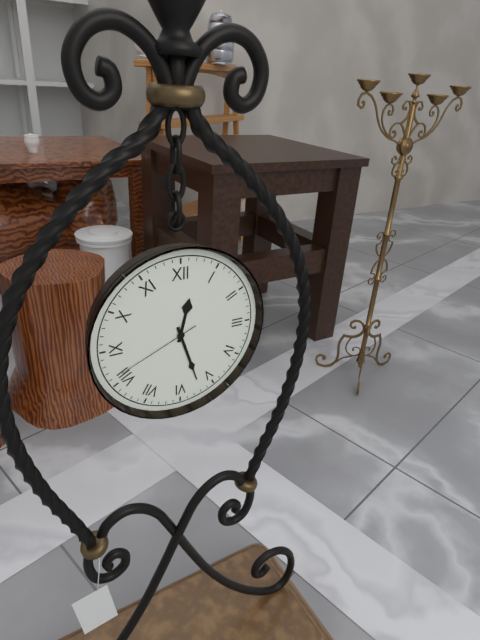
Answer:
**12:27:41**
